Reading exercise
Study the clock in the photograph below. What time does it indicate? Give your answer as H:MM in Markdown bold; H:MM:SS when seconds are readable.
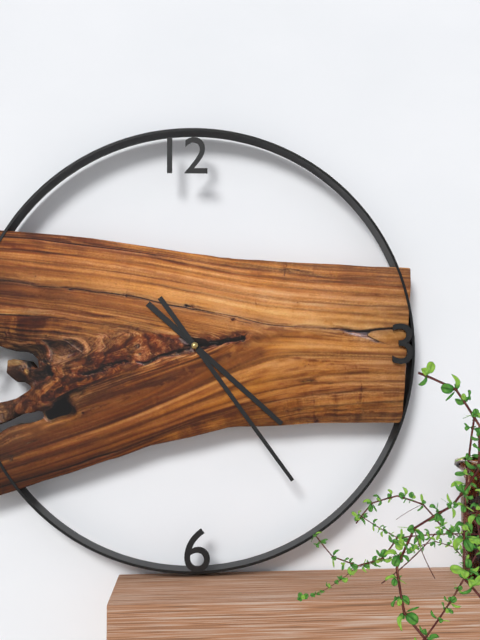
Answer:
**4:24**
